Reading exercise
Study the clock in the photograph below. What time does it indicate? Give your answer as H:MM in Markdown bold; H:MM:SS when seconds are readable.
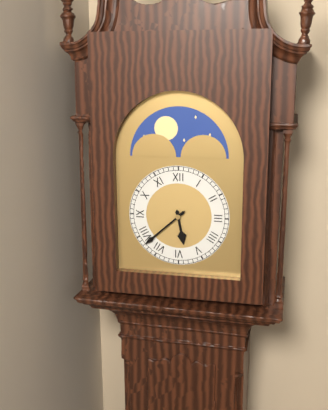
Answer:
**5:38**
